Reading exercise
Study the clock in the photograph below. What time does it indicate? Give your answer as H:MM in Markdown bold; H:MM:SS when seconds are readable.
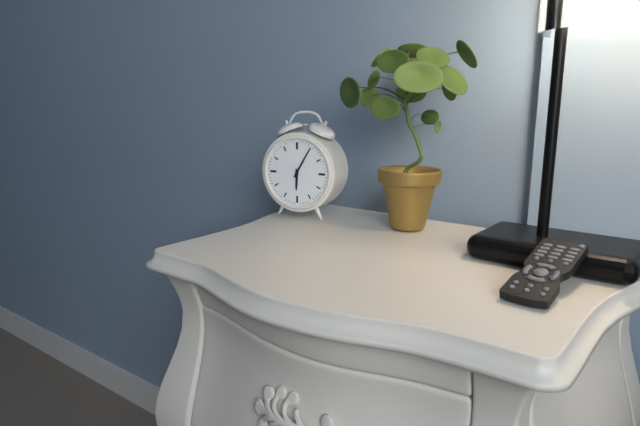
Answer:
**6:05**
